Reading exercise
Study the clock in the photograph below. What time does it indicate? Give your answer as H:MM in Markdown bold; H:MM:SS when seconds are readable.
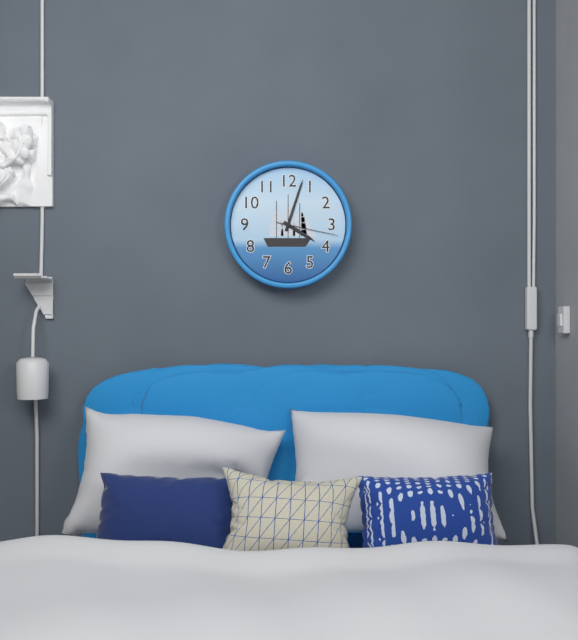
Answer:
**4:03:17**
